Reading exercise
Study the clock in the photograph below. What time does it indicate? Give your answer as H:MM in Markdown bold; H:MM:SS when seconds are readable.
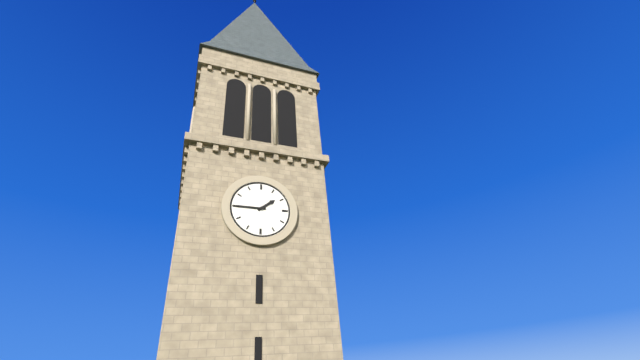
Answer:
**1:45**
